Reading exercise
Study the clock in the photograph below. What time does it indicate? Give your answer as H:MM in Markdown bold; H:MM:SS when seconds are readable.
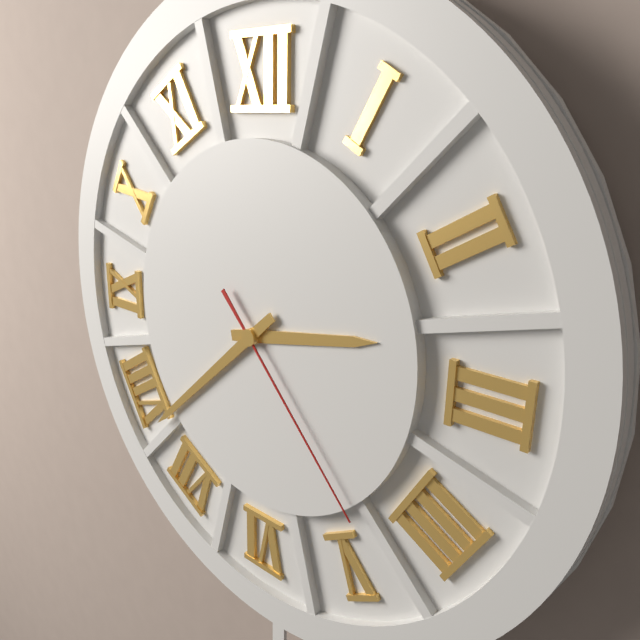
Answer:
**2:38:23**
